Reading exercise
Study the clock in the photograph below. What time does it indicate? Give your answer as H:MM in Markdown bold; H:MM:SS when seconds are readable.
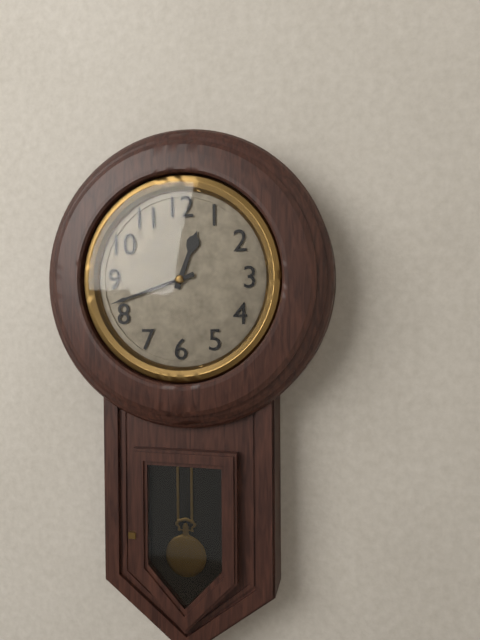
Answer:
**12:42**
